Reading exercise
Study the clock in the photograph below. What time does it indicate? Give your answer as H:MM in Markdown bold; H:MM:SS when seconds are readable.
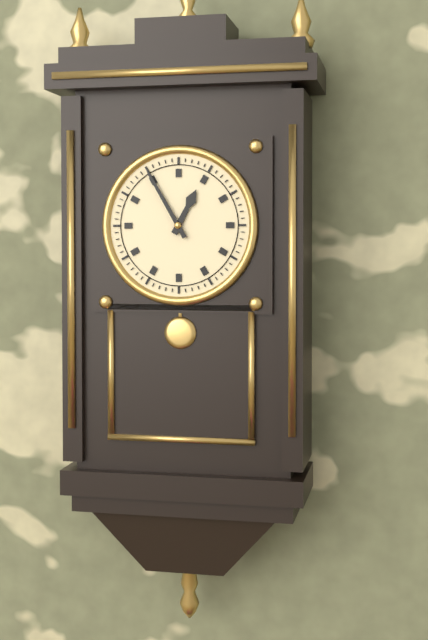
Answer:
**12:55**
